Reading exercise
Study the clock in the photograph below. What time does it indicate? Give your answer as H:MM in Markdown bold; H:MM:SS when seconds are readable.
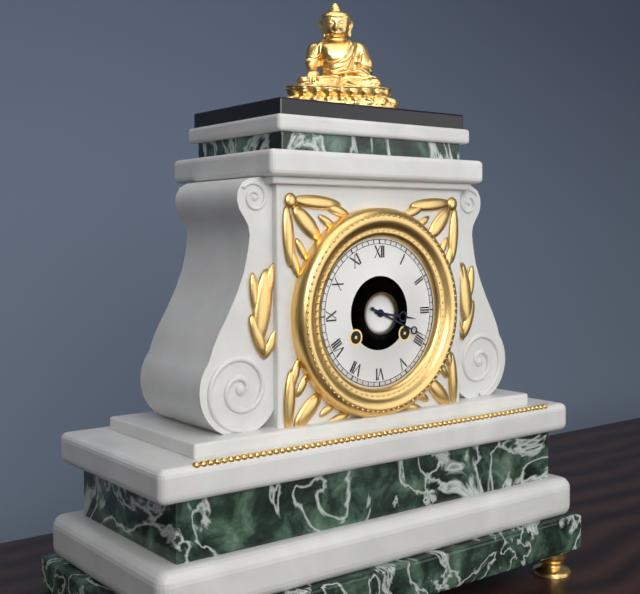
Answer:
**3:19**
